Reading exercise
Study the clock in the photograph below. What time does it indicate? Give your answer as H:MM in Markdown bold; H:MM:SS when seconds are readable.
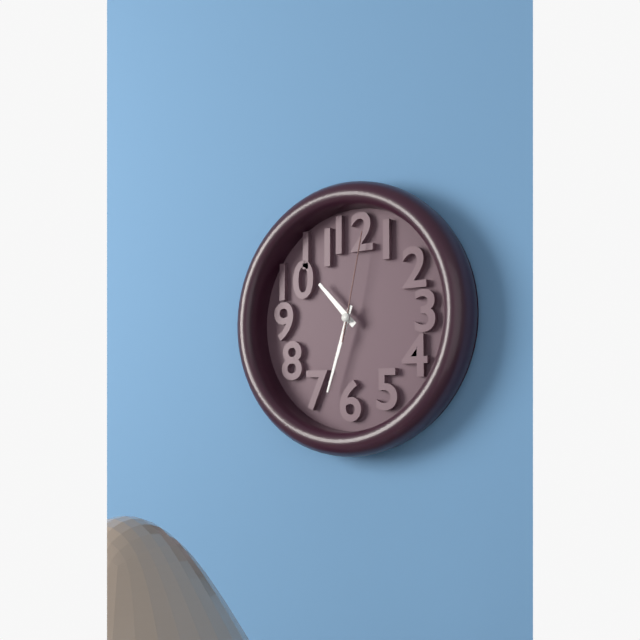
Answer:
**10:33:02**
